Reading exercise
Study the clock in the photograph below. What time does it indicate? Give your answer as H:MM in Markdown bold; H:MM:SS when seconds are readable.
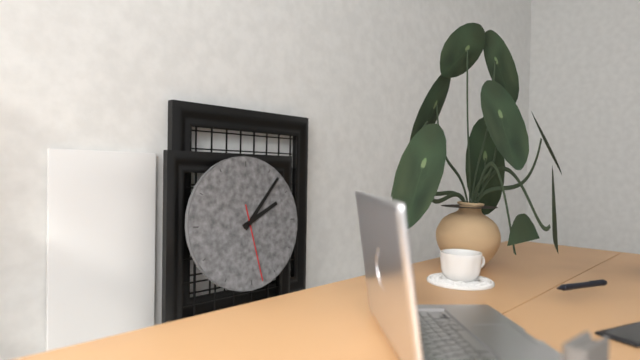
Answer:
**2:07:28**
